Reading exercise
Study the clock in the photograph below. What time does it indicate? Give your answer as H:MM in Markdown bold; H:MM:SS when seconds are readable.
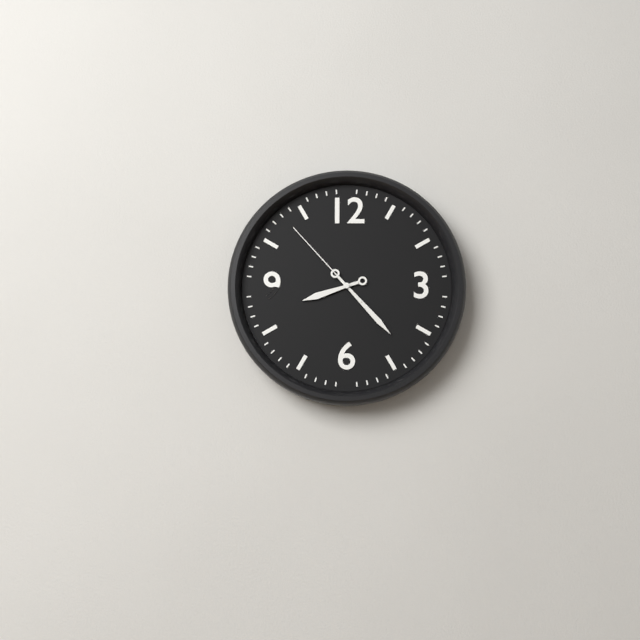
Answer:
**8:23:53**
